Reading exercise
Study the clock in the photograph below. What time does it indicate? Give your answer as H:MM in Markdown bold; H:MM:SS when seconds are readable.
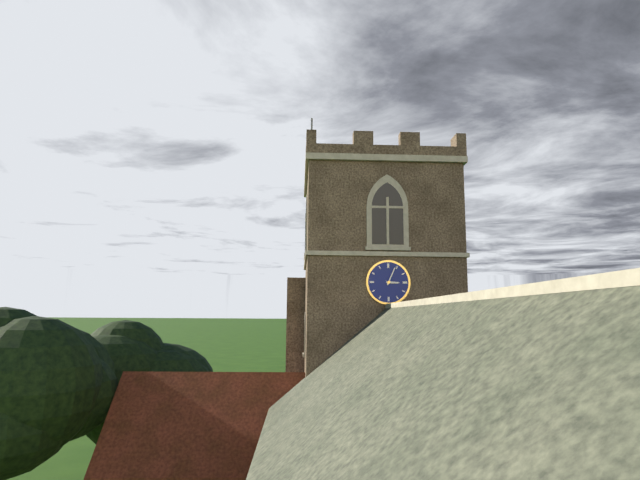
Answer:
**3:04**
